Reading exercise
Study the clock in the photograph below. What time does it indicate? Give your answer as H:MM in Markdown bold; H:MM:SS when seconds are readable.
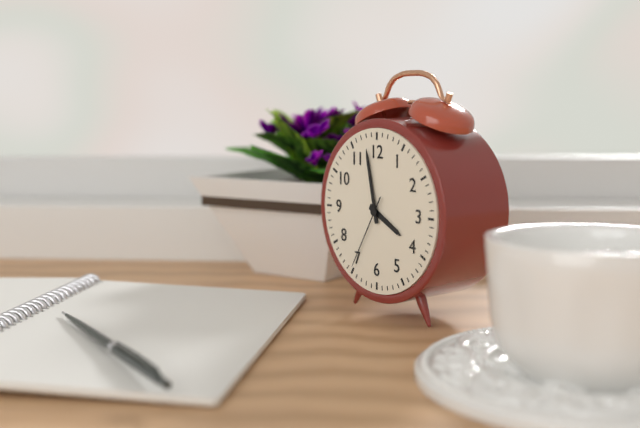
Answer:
**3:58:35**
